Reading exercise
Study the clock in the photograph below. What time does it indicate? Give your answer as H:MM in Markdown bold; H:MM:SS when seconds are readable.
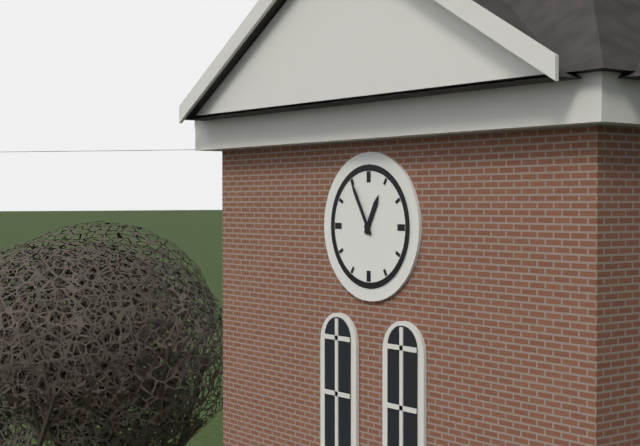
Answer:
**12:55**
